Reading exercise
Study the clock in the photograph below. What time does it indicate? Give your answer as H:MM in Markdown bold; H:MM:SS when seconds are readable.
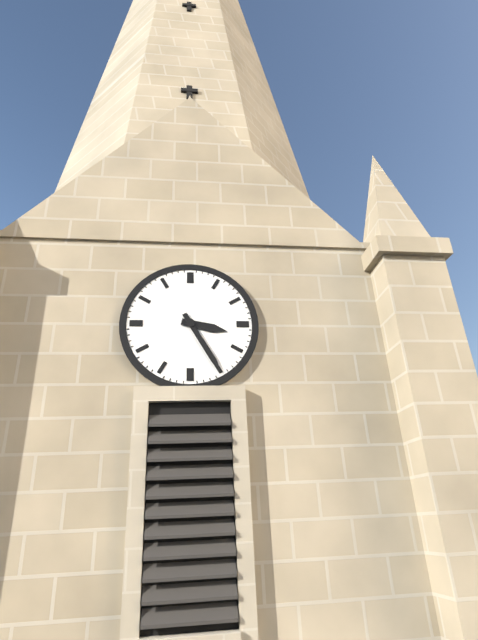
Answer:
**3:25**
